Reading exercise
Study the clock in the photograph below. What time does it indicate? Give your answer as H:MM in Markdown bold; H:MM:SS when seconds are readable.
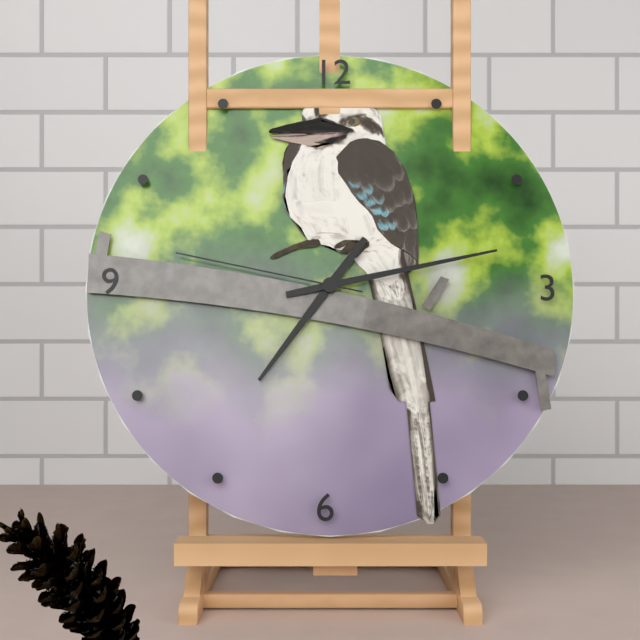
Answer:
**7:13:47**
